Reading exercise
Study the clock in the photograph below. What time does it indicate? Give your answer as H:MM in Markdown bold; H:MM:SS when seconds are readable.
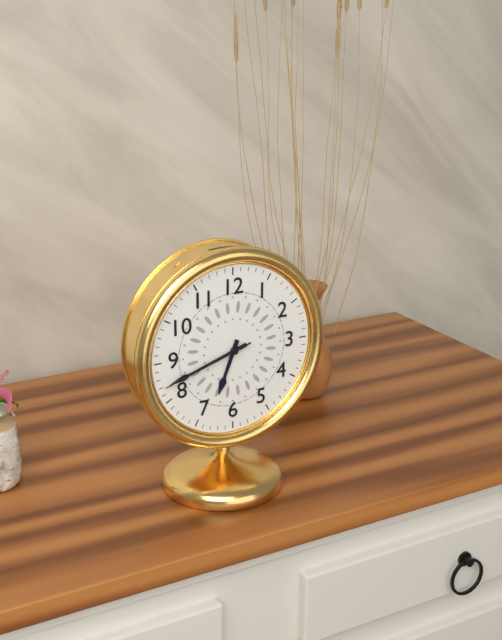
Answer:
**6:42:42**
